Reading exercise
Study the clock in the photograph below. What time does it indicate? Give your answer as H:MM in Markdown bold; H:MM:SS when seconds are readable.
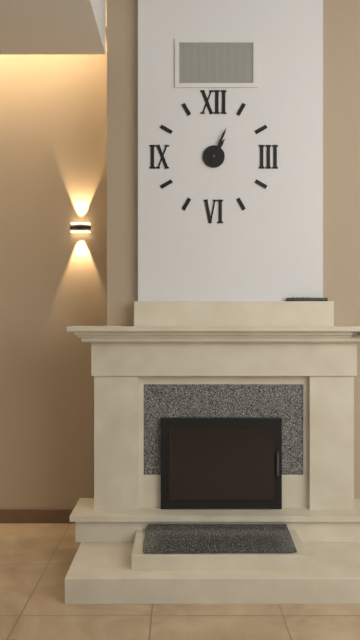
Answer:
**1:04**
